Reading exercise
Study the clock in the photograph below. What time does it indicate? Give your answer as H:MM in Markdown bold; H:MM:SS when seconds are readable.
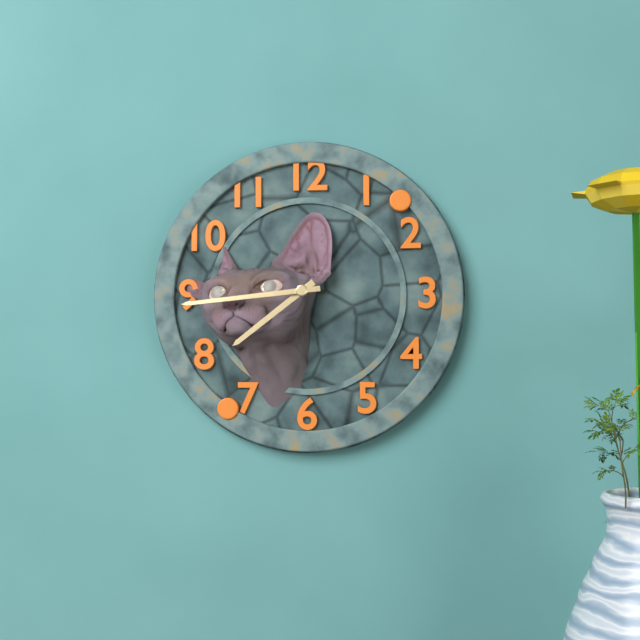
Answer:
**7:44**
